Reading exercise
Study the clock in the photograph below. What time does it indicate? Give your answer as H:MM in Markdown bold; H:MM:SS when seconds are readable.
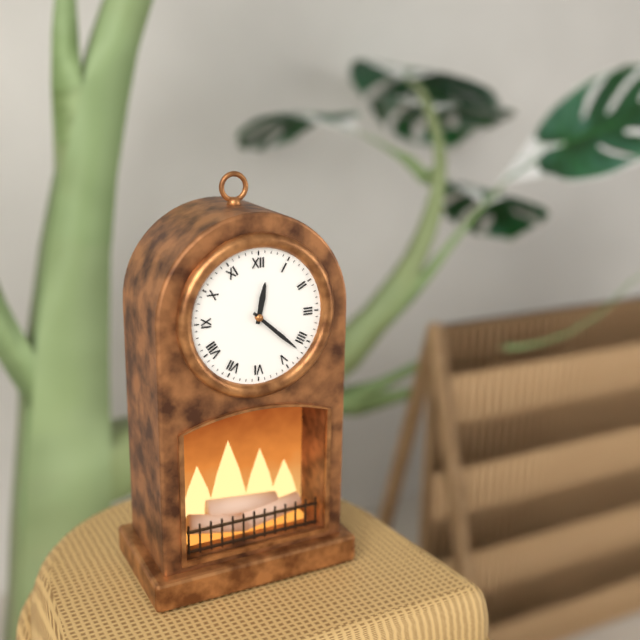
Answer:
**12:22**
